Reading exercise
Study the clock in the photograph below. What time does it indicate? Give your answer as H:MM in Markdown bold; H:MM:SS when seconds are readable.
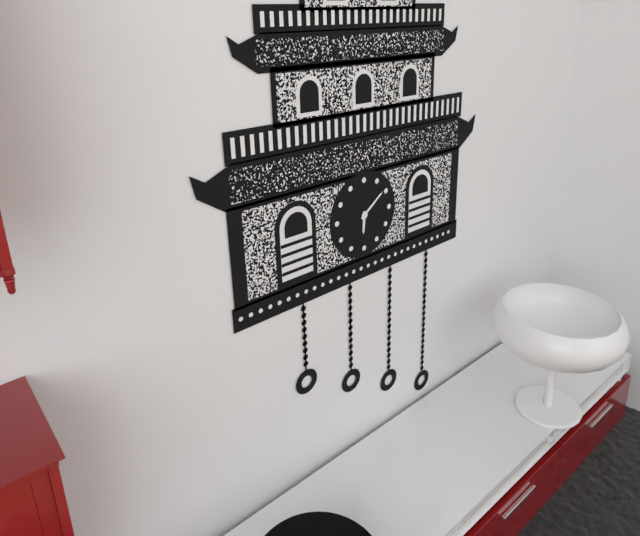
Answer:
**6:09**
